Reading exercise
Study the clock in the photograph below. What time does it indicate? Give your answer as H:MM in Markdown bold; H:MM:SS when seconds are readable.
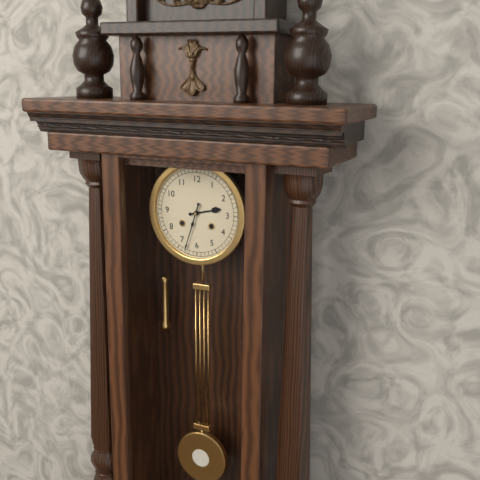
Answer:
**2:33**
